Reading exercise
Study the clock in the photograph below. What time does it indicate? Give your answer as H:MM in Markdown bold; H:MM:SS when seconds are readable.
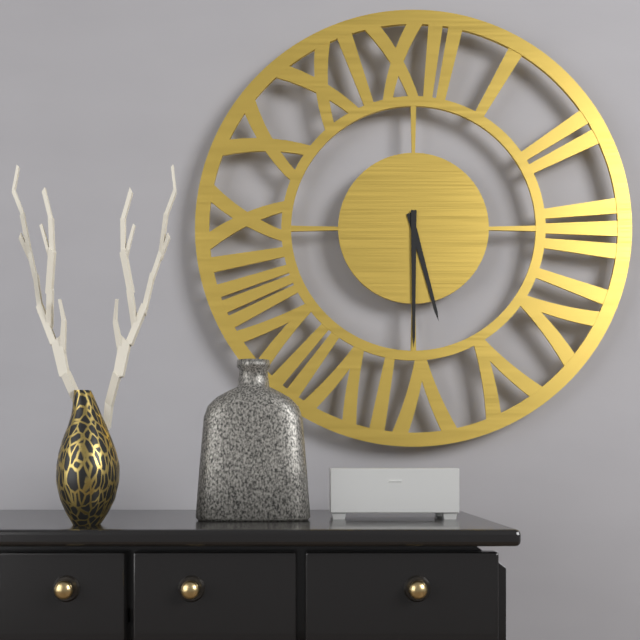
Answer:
**5:30**
